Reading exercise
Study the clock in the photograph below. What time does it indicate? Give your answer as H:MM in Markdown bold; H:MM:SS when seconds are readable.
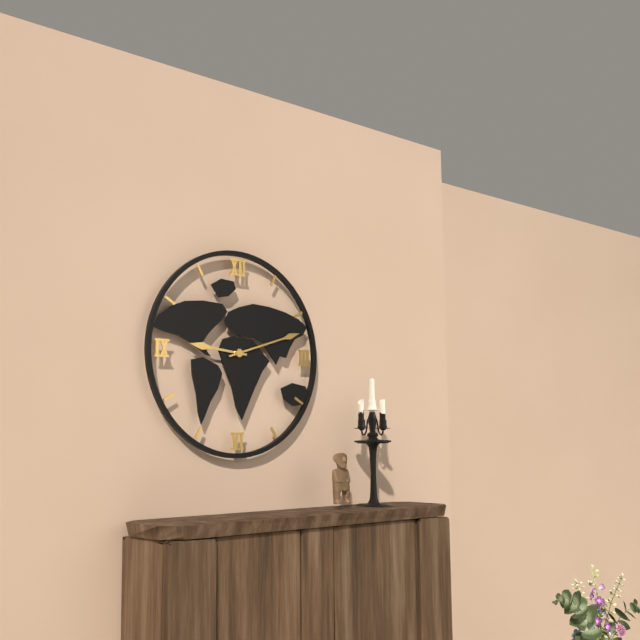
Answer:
**9:12**
